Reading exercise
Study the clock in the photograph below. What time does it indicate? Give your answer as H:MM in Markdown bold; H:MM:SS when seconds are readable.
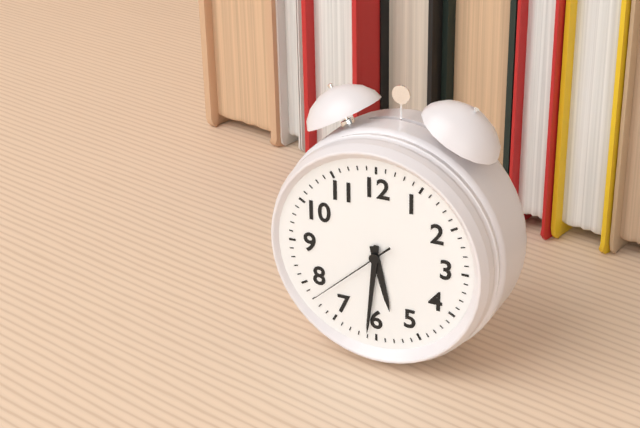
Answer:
**5:31:38**
